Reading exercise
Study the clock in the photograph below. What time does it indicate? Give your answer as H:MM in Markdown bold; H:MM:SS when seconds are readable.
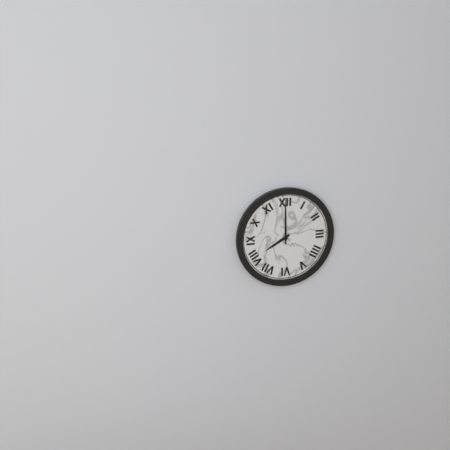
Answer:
**8:00**
